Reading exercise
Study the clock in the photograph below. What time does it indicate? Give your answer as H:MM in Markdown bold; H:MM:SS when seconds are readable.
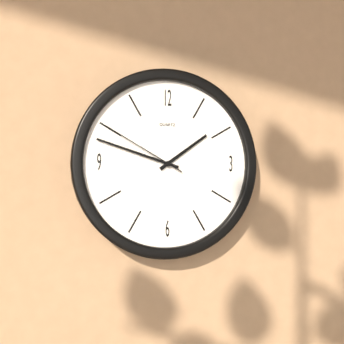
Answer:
**1:48:50**
